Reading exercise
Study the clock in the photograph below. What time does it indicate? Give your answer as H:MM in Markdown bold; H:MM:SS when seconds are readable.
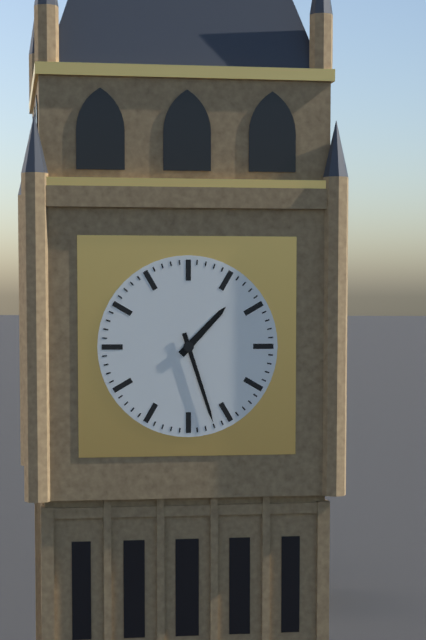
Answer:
**1:27**
